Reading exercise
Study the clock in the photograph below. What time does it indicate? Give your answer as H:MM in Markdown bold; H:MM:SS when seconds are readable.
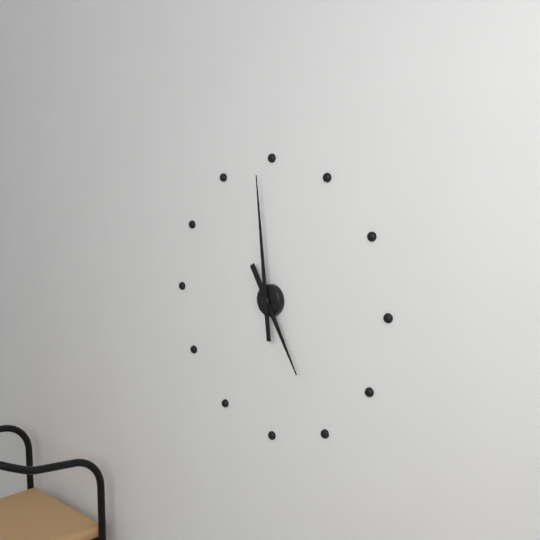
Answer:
**4:59**
